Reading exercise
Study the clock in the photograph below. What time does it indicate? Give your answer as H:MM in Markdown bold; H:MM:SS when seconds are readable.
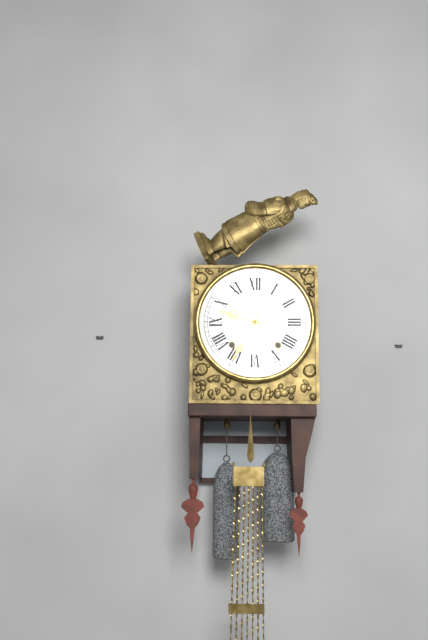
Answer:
**9:35**
